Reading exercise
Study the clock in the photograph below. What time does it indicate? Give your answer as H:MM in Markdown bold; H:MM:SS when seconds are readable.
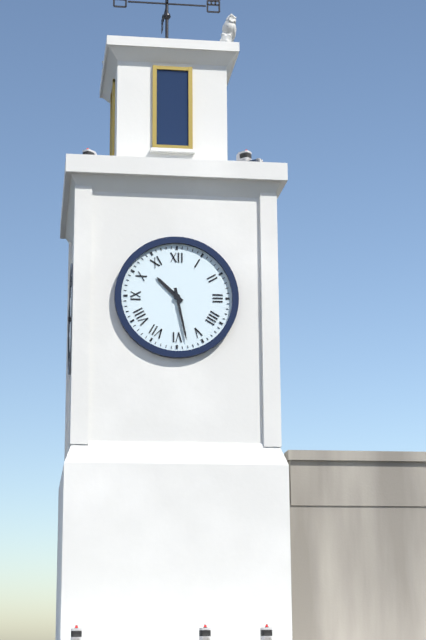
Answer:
**10:28**
